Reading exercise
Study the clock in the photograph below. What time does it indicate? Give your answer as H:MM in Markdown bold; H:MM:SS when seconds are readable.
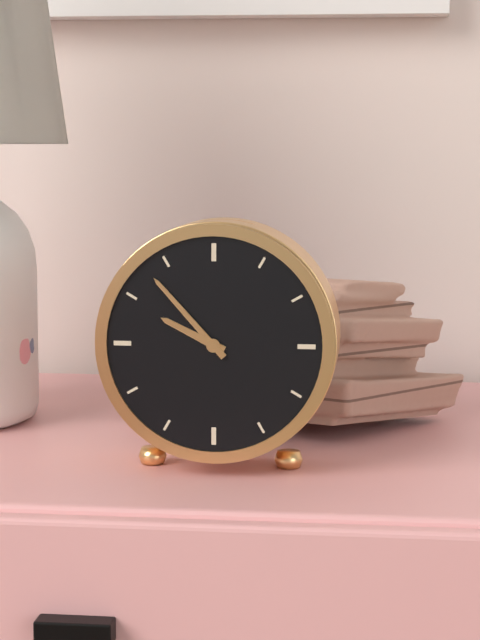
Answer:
**9:53**
